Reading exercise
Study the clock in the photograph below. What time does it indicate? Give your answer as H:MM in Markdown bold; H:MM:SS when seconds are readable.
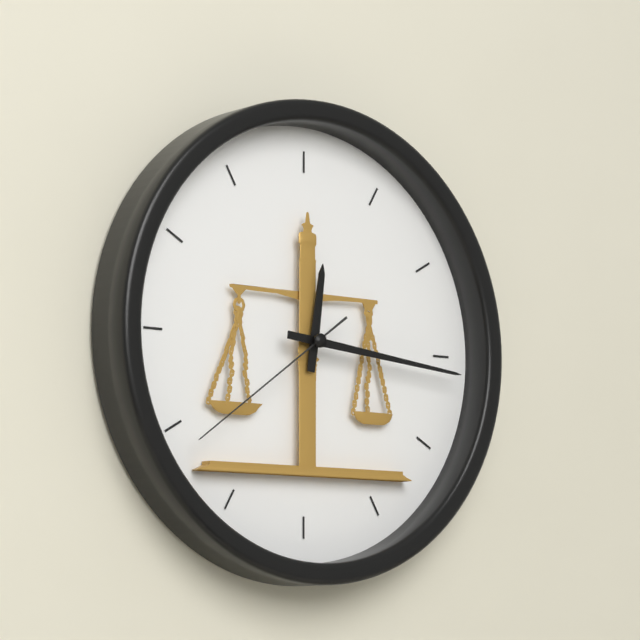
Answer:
**12:16:39**
